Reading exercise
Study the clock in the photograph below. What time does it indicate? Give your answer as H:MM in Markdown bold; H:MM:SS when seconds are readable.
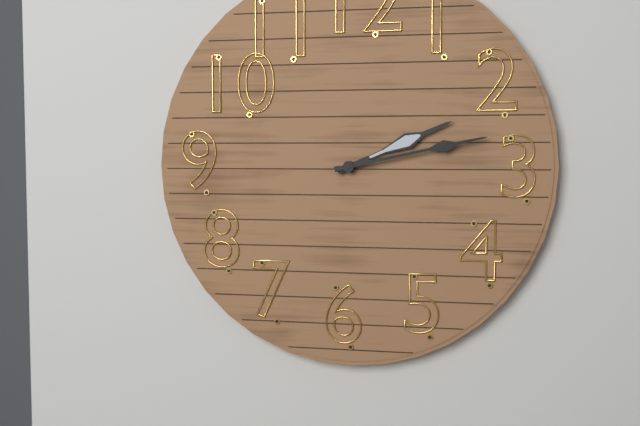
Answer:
**2:13**
